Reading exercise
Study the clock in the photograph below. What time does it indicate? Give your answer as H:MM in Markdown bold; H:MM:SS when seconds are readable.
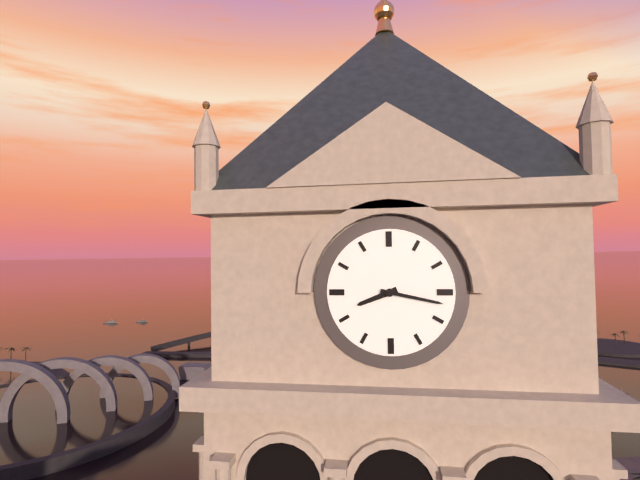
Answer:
**8:17**
